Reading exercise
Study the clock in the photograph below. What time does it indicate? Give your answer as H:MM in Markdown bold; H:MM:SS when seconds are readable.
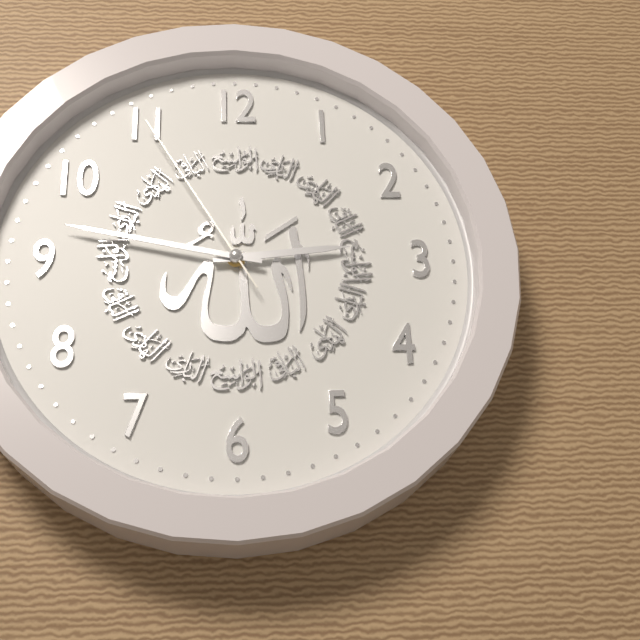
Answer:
**2:47:55**
